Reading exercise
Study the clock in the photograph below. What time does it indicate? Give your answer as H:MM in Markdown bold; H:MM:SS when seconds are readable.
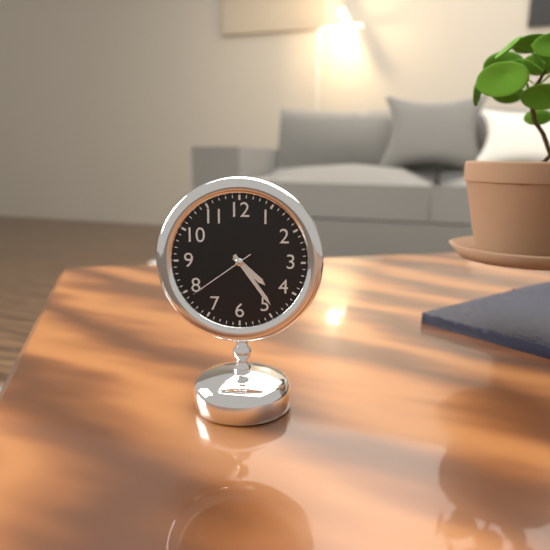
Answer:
**4:24:39**
